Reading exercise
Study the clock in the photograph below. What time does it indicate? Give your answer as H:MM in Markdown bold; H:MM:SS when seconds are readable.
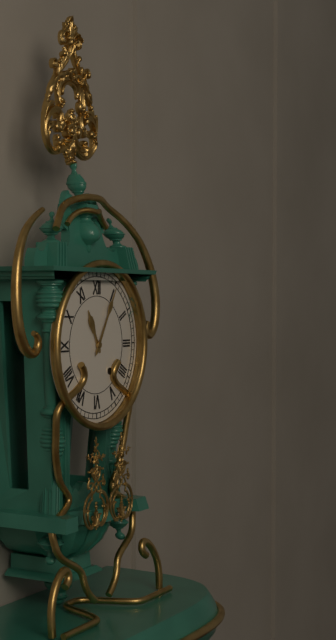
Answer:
**11:05**
